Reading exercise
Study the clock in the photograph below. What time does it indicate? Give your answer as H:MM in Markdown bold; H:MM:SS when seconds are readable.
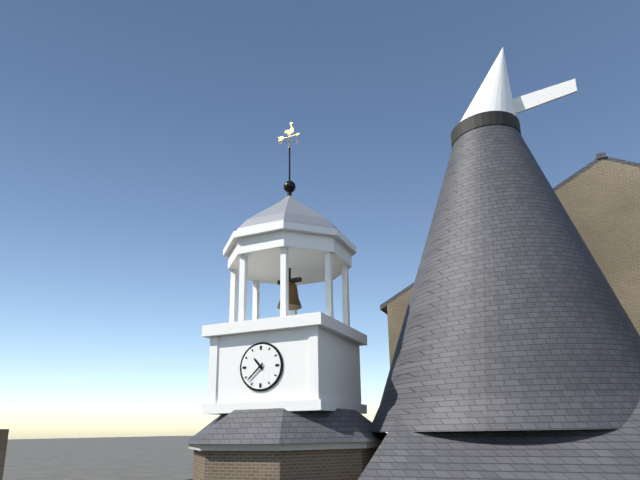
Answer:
**10:38**
